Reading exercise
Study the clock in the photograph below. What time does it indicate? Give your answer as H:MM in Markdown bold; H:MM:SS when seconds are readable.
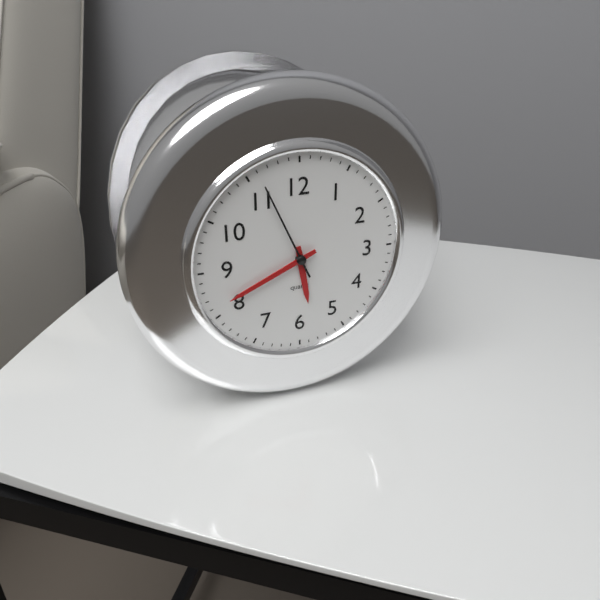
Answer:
**5:41:56**
